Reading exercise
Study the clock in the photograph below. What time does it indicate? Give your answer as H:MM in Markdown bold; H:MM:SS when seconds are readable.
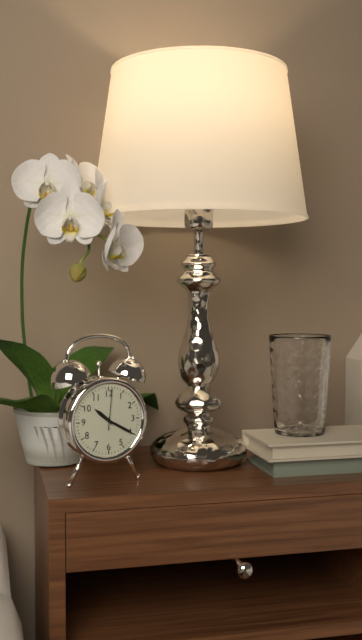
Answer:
**10:20**
